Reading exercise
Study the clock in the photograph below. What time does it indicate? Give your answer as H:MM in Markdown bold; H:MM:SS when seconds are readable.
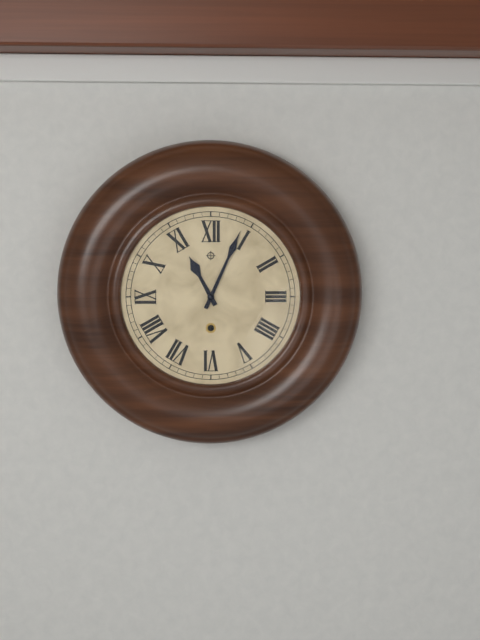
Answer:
**11:04**
